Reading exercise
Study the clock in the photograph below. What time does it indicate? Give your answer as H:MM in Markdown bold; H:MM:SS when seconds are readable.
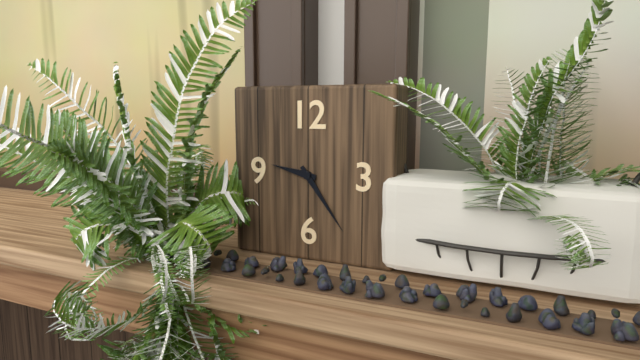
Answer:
**9:24**
